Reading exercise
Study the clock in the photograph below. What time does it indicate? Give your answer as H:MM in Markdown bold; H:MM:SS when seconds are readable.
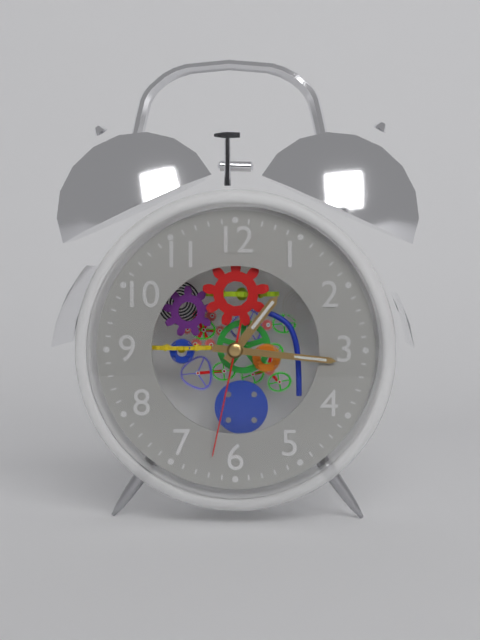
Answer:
**1:16:32**
